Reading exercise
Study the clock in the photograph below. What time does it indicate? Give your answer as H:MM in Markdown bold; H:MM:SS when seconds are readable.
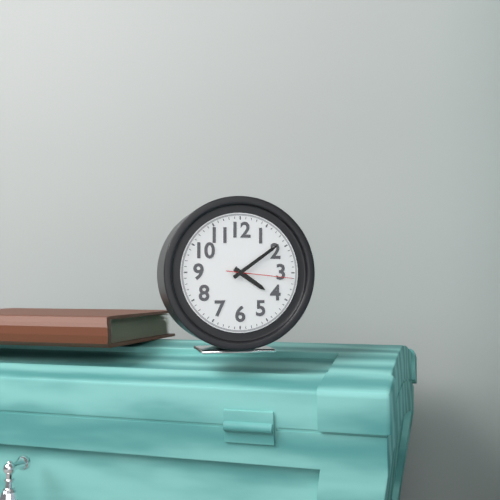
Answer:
**4:09:16**
